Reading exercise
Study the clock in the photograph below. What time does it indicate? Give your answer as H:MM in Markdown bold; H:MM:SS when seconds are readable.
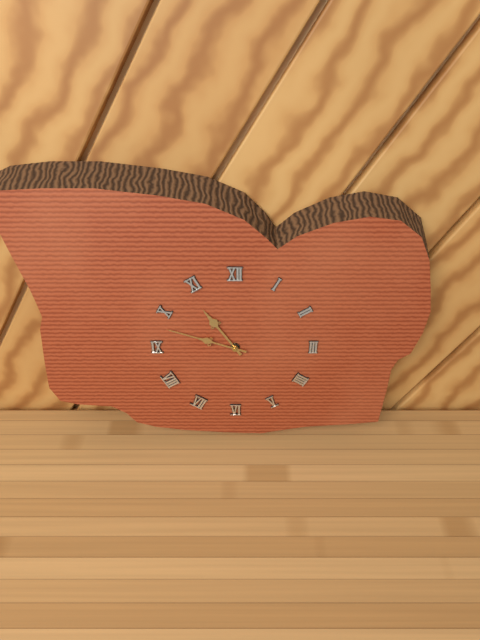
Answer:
**10:48**
